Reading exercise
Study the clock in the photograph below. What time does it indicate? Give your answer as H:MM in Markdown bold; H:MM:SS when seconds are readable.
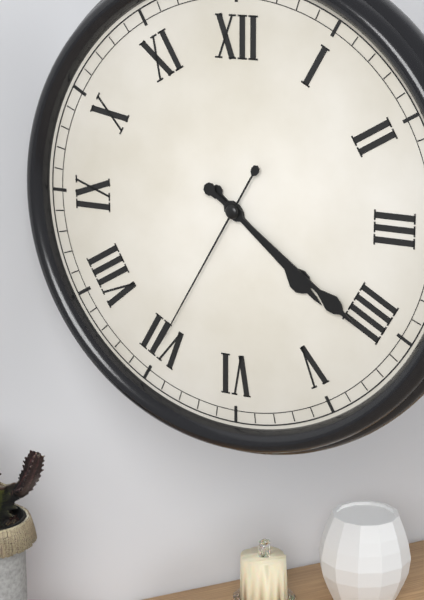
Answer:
**4:21:35**
